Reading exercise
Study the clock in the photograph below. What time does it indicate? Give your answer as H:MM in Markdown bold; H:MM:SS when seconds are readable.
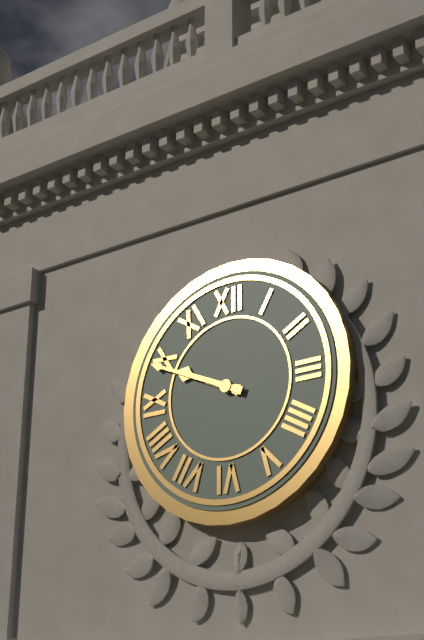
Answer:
**9:49**
